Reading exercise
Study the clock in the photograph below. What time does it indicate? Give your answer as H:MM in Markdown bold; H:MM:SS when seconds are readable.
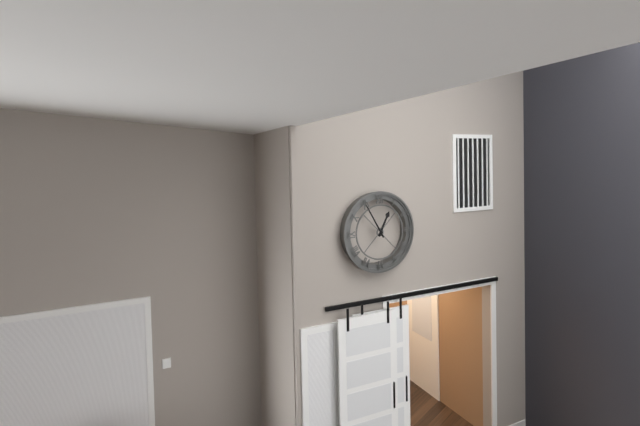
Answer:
**12:55**
